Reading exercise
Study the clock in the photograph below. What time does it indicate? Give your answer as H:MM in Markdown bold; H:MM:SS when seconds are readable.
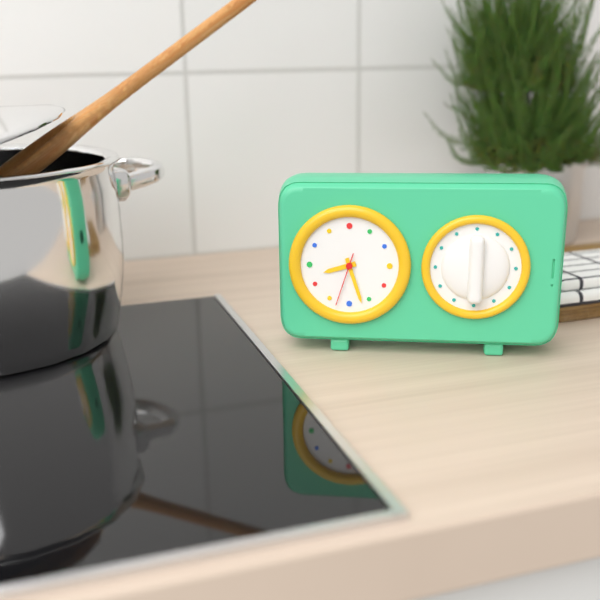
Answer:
**8:27:33**
